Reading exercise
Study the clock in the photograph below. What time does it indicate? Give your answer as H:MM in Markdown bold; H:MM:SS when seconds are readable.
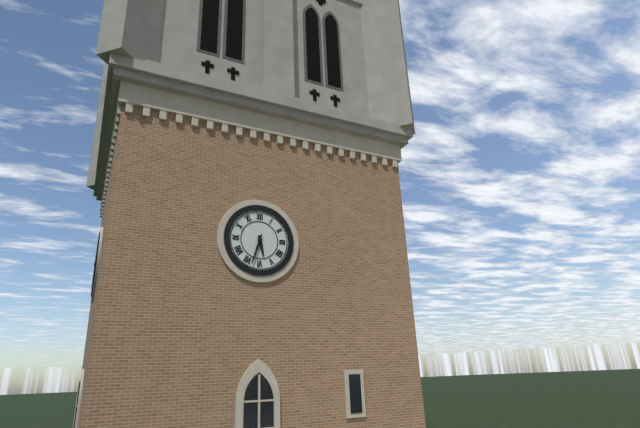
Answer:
**5:33**
